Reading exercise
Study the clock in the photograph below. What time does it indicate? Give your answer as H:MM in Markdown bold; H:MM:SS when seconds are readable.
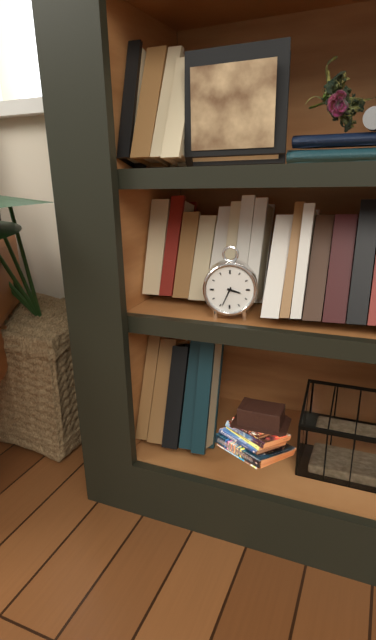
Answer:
**3:34**
